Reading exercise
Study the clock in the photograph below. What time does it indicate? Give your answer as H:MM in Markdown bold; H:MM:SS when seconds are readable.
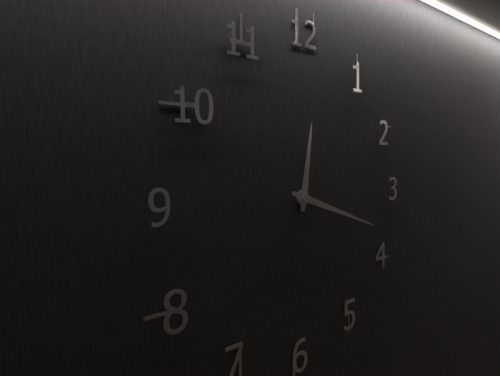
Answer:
**12:18**
